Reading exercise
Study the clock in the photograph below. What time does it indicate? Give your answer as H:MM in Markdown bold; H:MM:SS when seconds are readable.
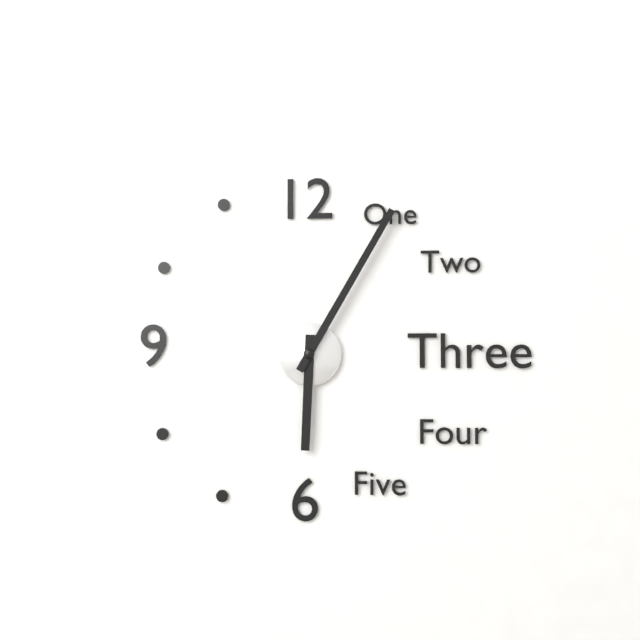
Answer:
**6:05**
